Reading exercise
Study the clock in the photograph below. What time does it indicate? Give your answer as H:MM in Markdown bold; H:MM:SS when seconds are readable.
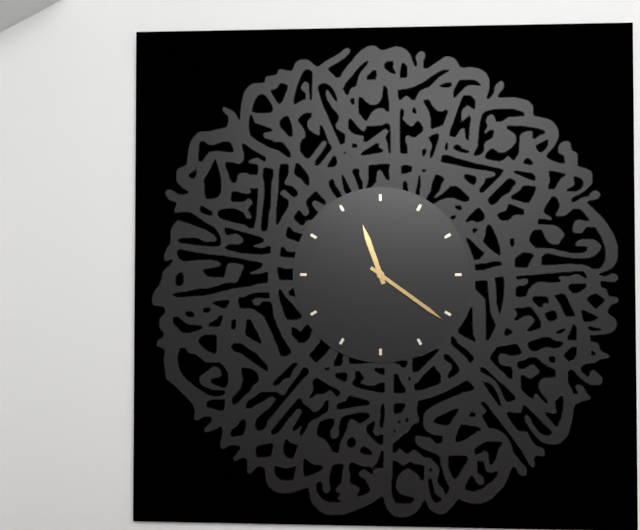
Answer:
**11:21**
